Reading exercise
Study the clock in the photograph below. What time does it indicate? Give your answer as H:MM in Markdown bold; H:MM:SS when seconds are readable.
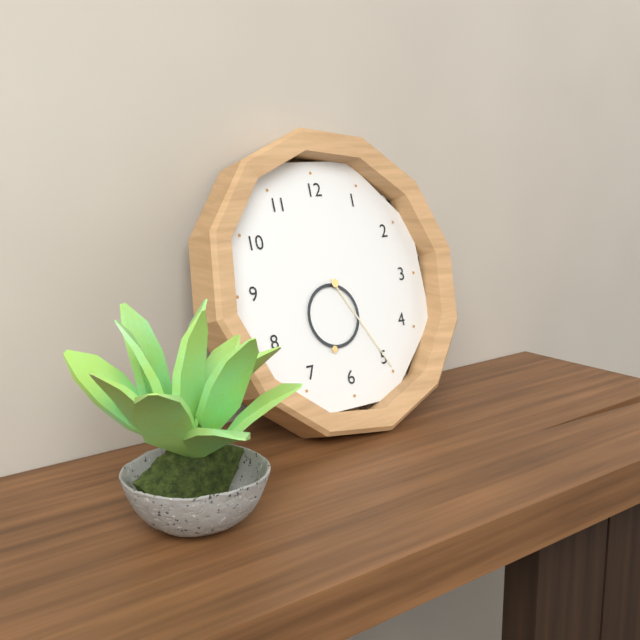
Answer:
**6:25**
